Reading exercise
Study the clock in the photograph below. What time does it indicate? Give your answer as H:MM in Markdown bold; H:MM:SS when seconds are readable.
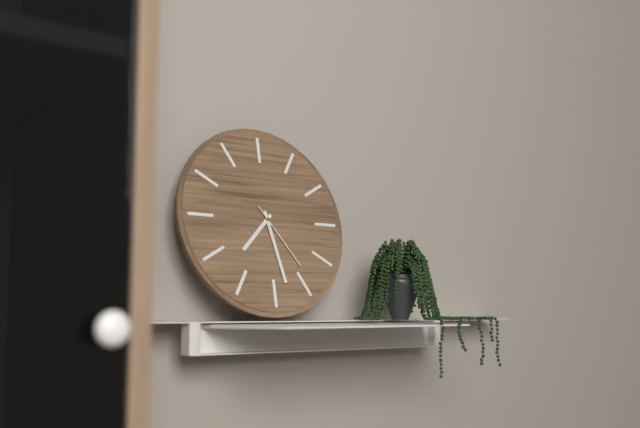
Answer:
**7:28:24**
